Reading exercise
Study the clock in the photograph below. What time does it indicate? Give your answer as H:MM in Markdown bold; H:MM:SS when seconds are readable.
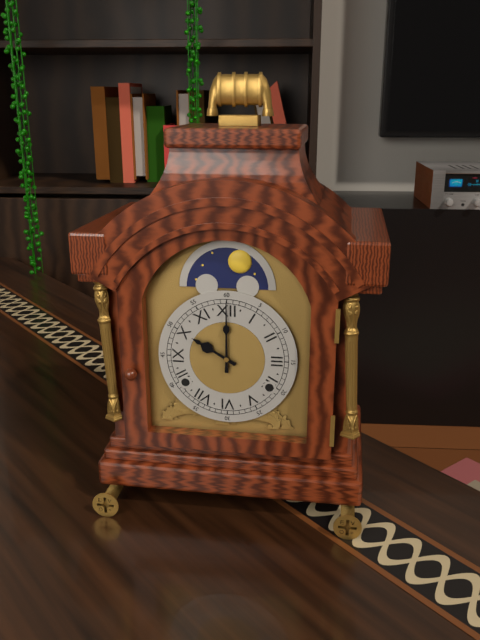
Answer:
**10:00**
